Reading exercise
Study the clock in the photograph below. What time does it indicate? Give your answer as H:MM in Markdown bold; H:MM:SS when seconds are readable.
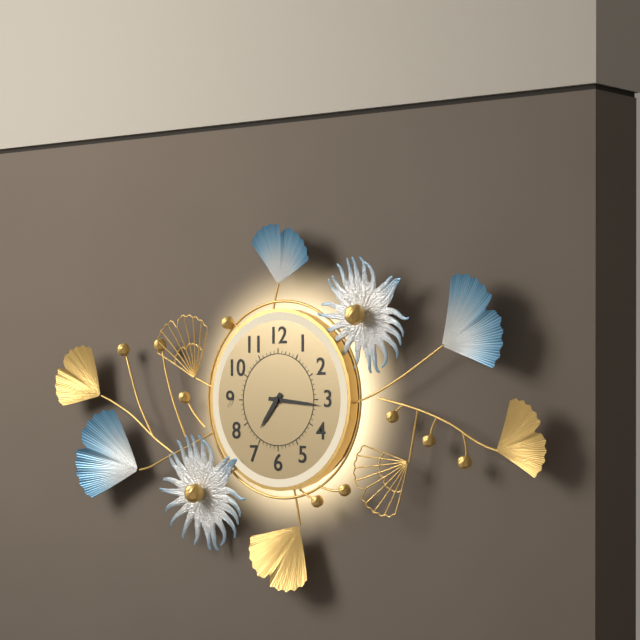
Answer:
**7:16**
